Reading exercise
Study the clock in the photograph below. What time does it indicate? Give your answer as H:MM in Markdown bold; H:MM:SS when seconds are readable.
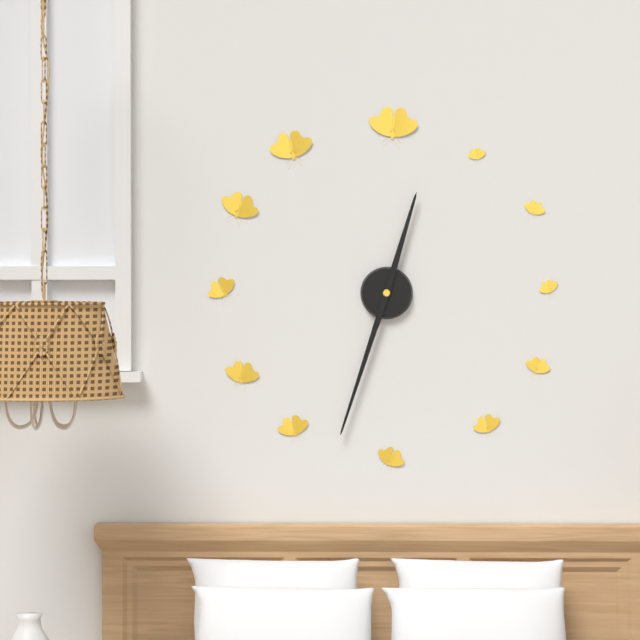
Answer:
**12:33**
